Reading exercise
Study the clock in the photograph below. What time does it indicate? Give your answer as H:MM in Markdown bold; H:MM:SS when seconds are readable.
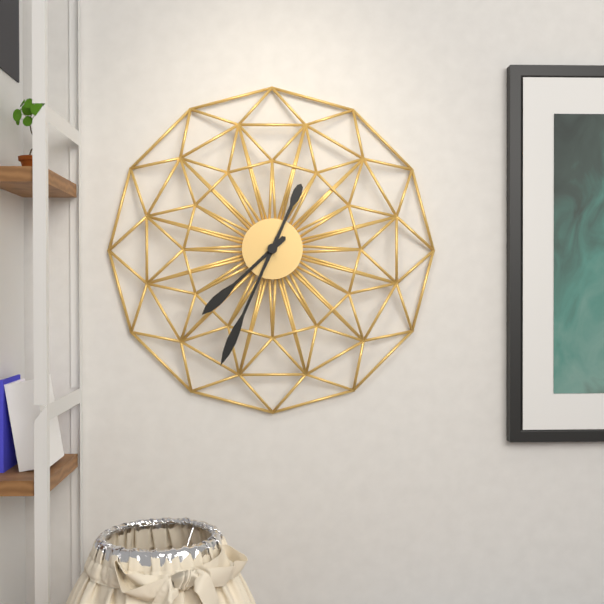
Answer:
**7:34**
